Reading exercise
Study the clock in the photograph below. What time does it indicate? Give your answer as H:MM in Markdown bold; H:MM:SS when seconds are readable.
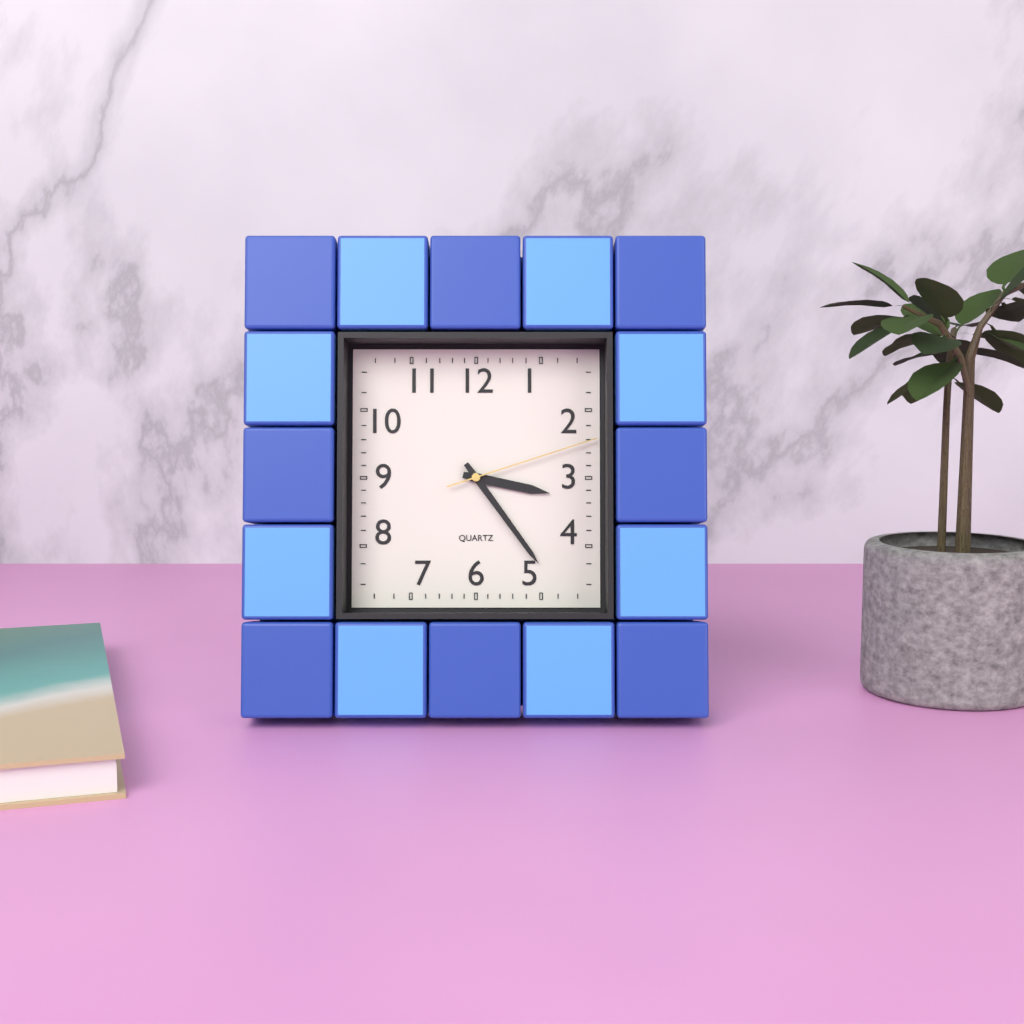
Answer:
**3:24:12**
